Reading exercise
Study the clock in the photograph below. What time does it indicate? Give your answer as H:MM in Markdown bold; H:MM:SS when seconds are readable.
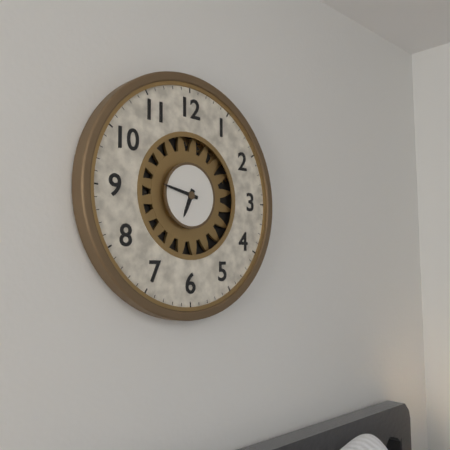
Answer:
**6:47**
